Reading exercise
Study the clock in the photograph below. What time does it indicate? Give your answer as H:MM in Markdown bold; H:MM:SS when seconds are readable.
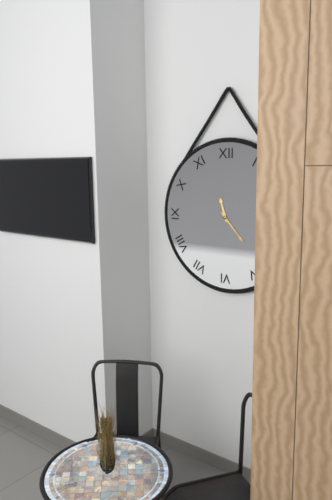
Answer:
**11:23**
